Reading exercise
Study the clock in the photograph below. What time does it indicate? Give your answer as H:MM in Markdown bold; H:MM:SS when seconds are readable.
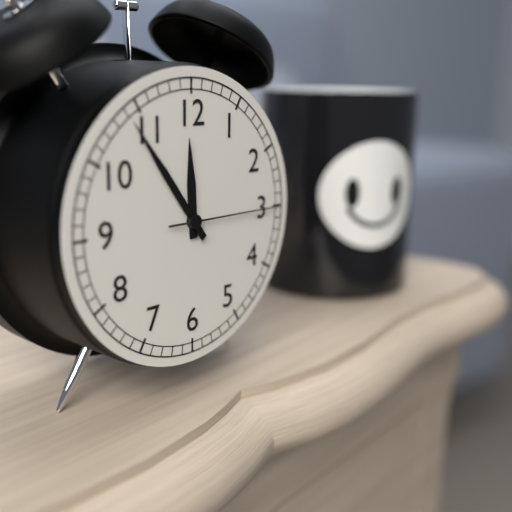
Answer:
**11:54:15**
